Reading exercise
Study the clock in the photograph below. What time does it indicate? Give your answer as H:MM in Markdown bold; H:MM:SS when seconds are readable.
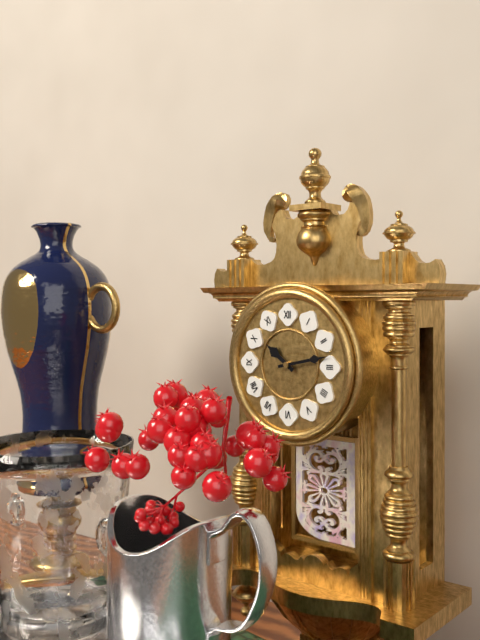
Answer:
**10:13**
